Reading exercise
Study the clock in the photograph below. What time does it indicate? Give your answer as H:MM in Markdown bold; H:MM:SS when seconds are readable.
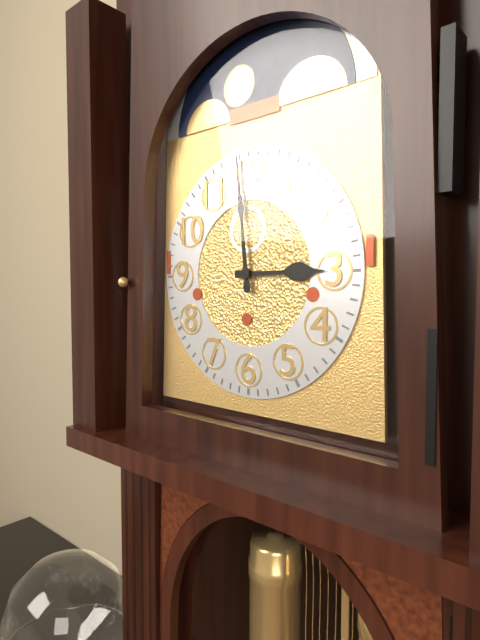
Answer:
**2:59**
